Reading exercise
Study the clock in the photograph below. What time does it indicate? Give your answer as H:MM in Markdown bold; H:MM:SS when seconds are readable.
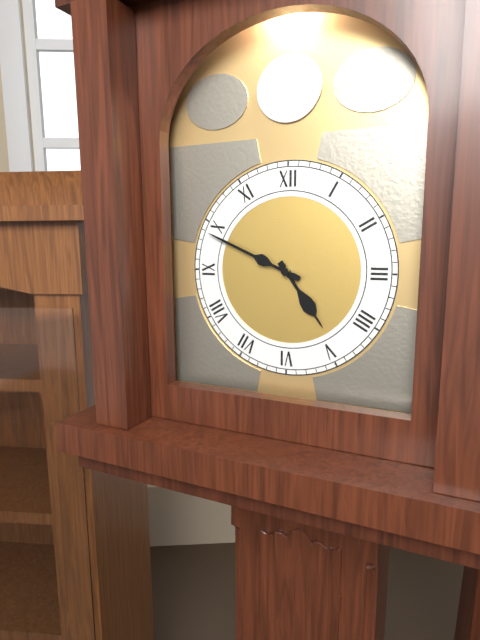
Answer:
**4:49**
